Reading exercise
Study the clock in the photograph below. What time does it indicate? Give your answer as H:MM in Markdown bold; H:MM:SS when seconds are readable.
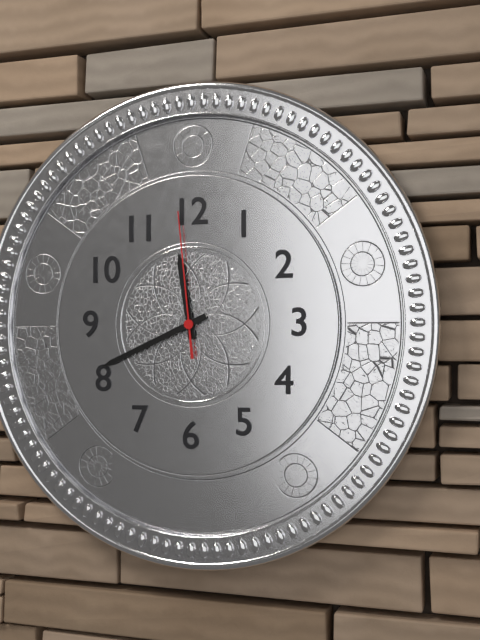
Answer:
**11:41:59**
